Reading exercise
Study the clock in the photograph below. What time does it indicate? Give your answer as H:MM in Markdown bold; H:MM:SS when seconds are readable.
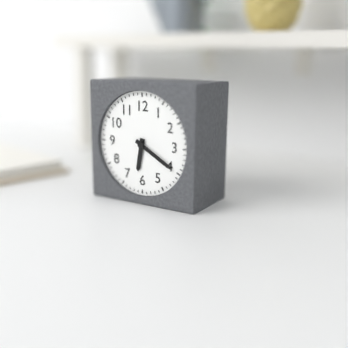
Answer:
**6:20**
